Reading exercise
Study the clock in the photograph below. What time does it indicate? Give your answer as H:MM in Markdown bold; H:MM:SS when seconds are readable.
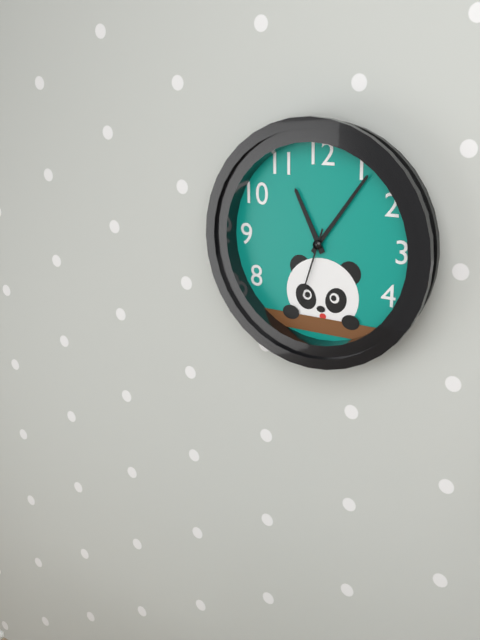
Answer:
**11:06:33**
